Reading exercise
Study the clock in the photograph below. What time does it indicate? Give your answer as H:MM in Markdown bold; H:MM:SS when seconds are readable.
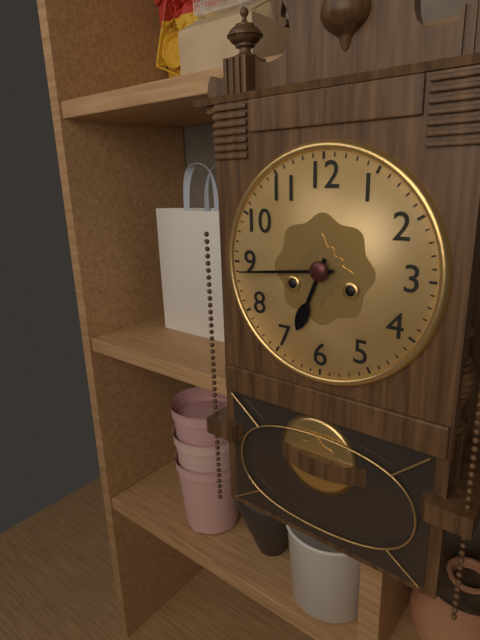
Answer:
**6:44**
